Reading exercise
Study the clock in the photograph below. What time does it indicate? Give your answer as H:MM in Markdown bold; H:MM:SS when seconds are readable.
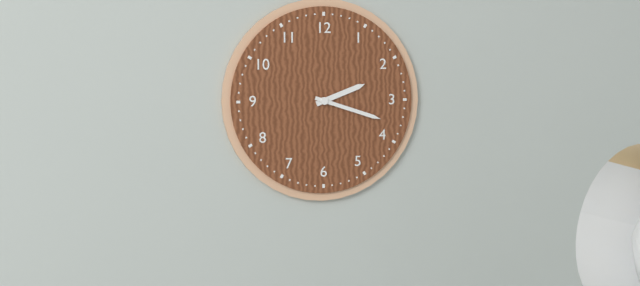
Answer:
**2:18**
